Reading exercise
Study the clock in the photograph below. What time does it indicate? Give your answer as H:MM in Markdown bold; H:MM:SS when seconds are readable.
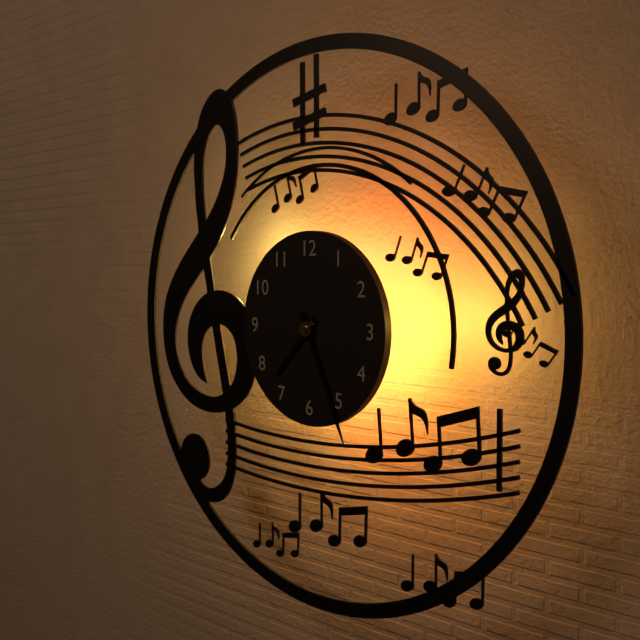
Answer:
**7:26**
